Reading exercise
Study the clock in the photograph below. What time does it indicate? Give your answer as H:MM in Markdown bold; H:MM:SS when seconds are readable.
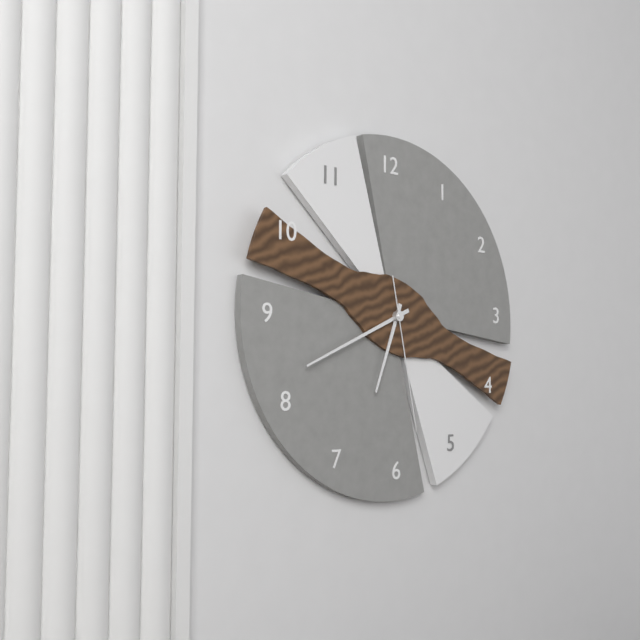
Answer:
**6:41:28**
